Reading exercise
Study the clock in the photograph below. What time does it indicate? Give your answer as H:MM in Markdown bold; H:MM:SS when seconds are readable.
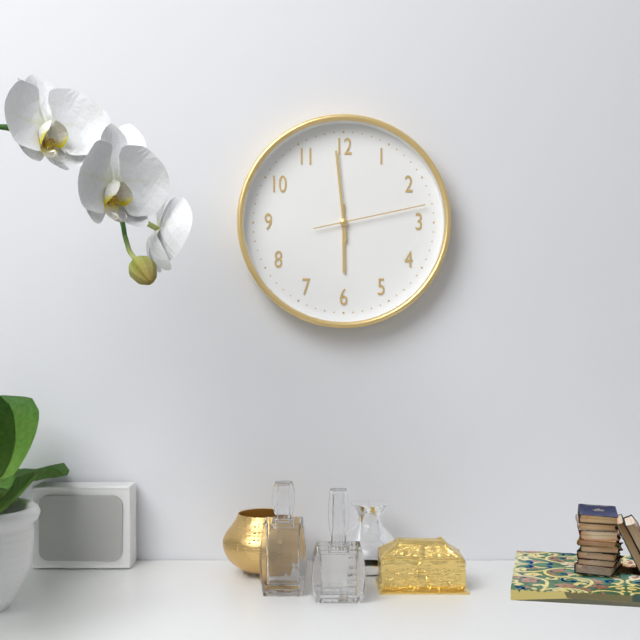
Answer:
**5:59:13**
